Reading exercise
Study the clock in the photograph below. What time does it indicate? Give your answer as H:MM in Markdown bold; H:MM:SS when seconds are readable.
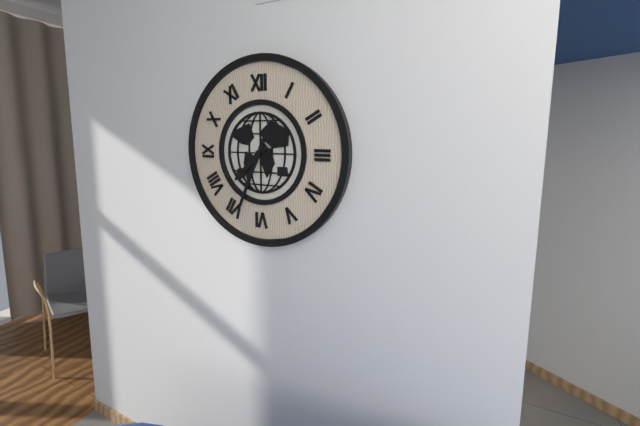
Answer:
**7:34**
